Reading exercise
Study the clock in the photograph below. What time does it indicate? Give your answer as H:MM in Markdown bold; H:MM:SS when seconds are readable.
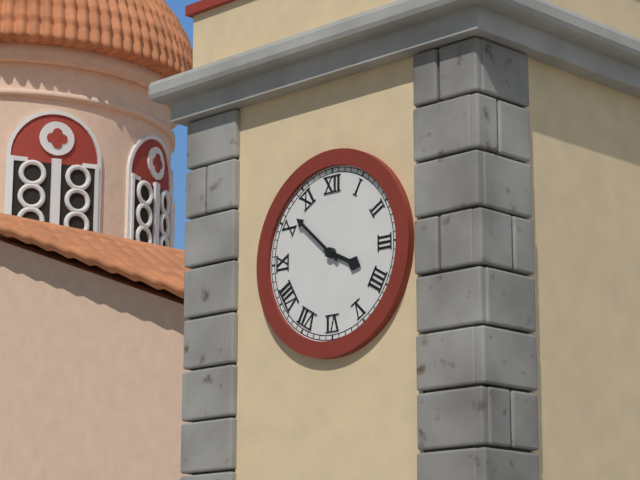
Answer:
**3:52**
